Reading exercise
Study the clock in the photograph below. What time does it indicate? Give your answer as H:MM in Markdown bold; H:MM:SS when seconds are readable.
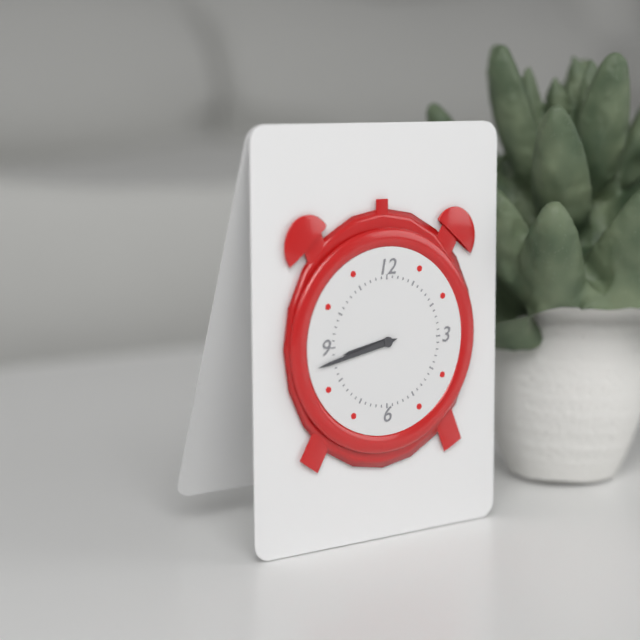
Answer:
**8:43**
